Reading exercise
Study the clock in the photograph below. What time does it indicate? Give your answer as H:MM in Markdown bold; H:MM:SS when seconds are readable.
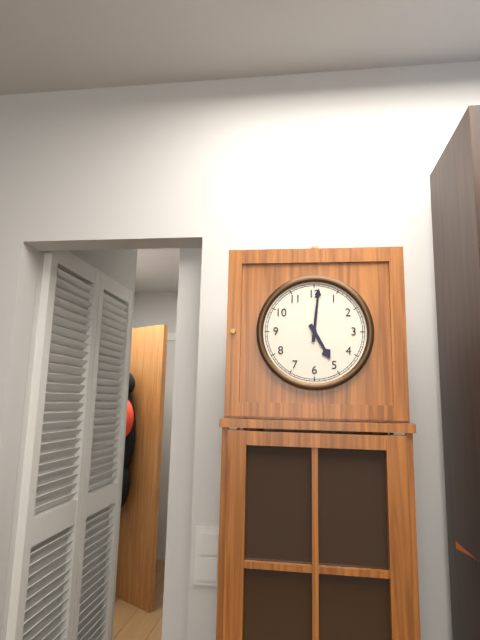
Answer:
**5:01**
